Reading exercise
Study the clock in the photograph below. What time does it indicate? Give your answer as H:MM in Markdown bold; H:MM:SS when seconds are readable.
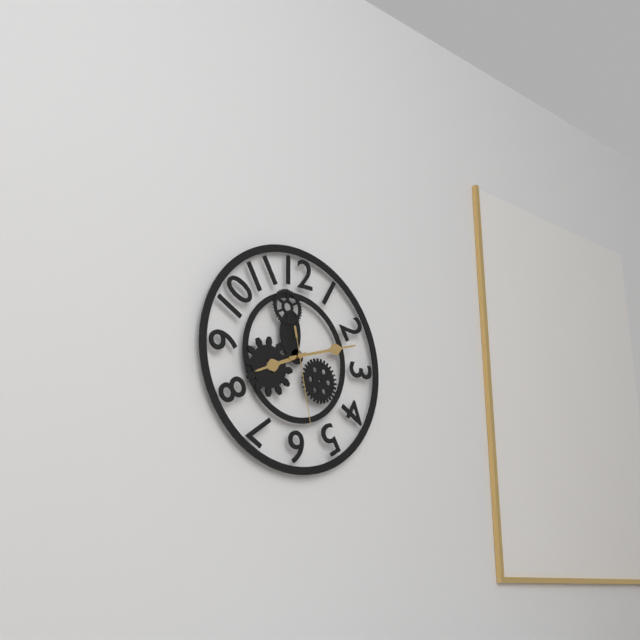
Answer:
**8:12:28**
